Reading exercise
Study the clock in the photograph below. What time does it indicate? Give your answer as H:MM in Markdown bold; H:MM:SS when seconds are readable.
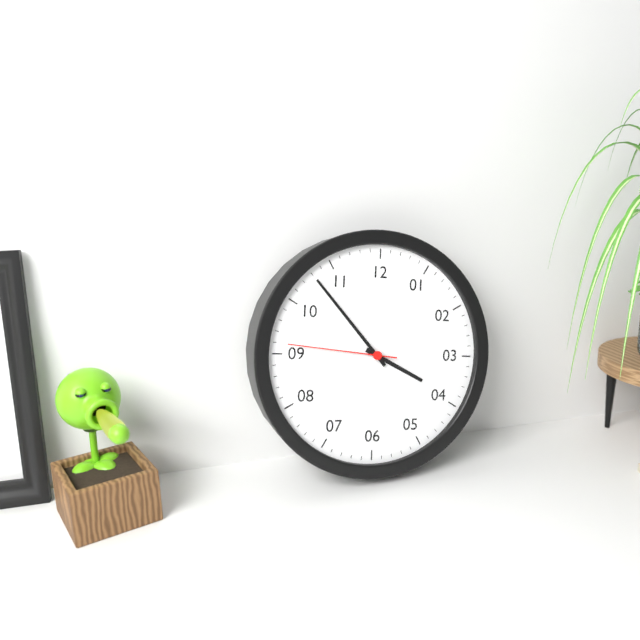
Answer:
**3:53:46**
